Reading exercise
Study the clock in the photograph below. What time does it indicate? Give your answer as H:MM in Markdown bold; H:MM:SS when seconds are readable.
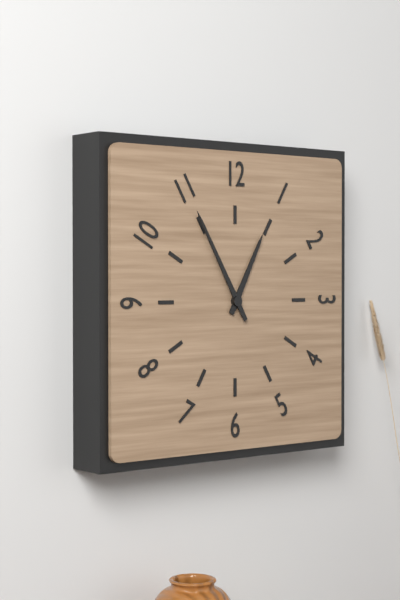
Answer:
**12:55**
